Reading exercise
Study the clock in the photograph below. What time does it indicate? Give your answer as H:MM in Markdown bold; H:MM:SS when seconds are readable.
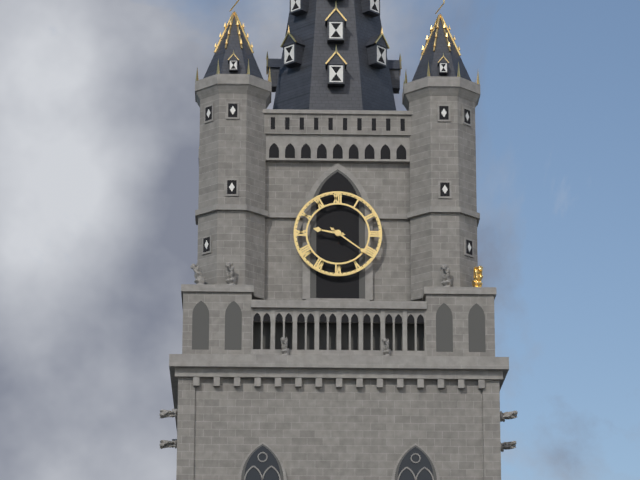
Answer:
**9:21**
